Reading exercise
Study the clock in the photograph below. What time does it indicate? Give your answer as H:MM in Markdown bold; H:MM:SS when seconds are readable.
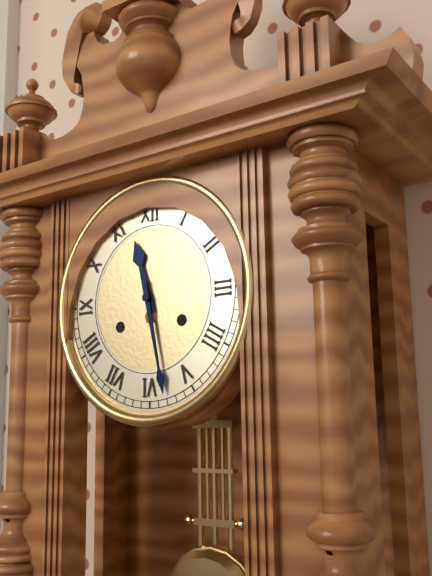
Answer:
**11:28**
